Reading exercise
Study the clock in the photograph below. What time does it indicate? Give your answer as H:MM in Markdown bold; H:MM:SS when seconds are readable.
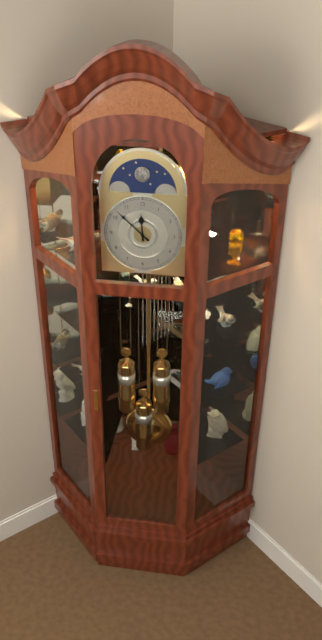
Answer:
**11:52**
